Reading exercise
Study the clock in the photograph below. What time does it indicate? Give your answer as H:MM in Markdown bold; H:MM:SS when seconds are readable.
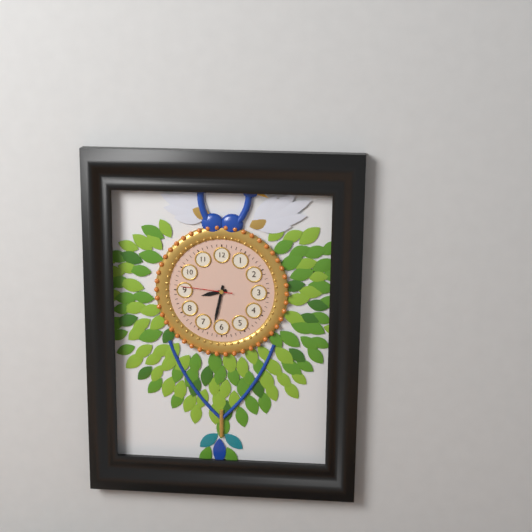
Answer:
**8:32:46**
